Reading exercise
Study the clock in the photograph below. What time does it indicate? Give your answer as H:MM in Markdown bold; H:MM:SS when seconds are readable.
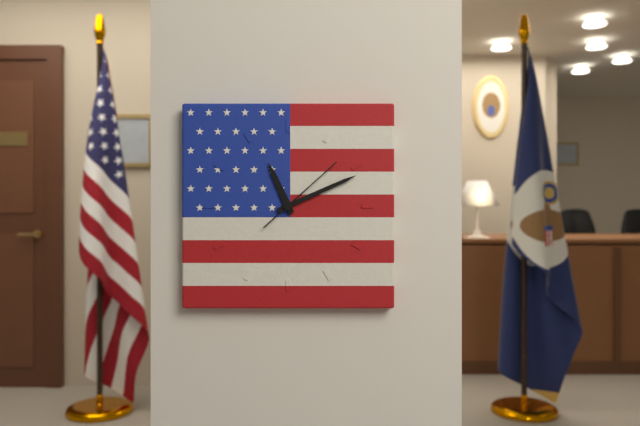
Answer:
**11:11:08**
